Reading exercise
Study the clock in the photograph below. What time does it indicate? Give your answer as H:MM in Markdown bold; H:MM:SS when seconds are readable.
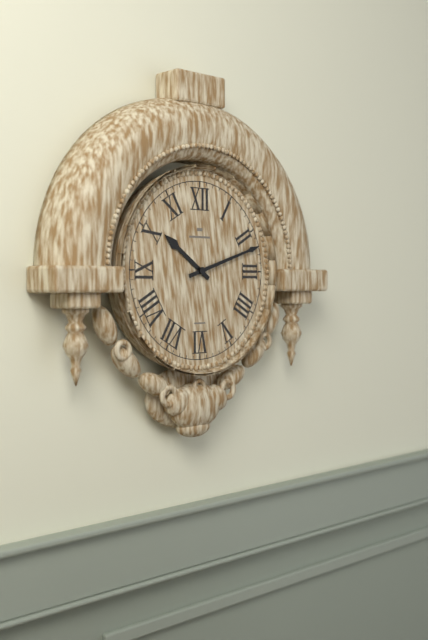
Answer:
**10:12**
